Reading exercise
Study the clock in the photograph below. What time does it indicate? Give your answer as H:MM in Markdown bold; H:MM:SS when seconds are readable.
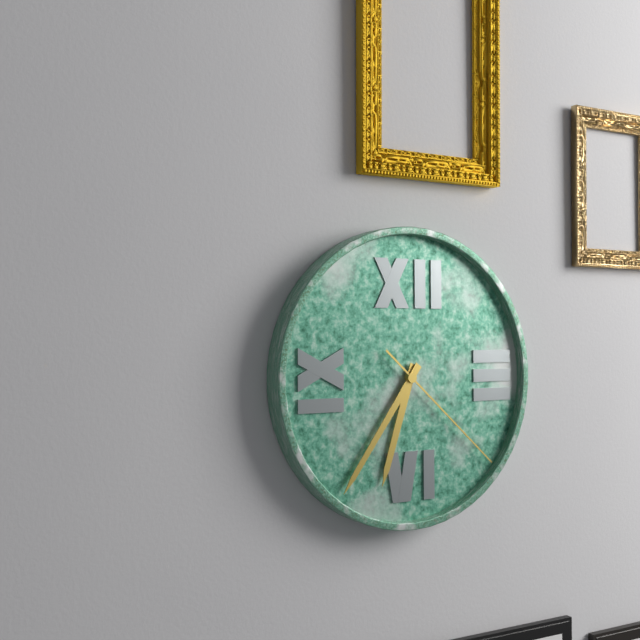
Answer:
**6:36:22**
